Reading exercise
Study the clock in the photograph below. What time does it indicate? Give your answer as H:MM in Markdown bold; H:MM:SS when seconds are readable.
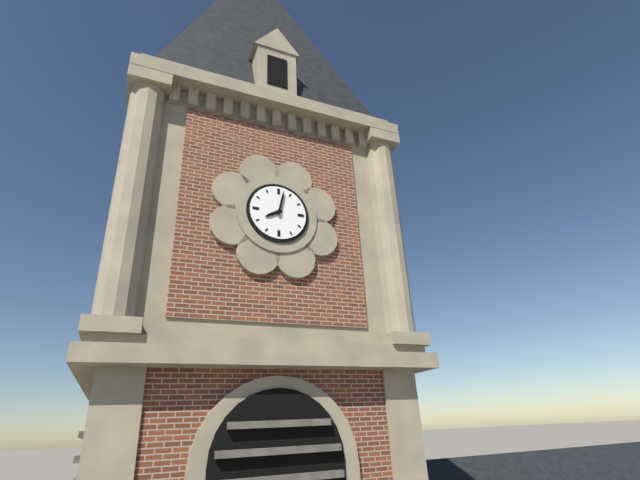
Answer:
**8:02**
